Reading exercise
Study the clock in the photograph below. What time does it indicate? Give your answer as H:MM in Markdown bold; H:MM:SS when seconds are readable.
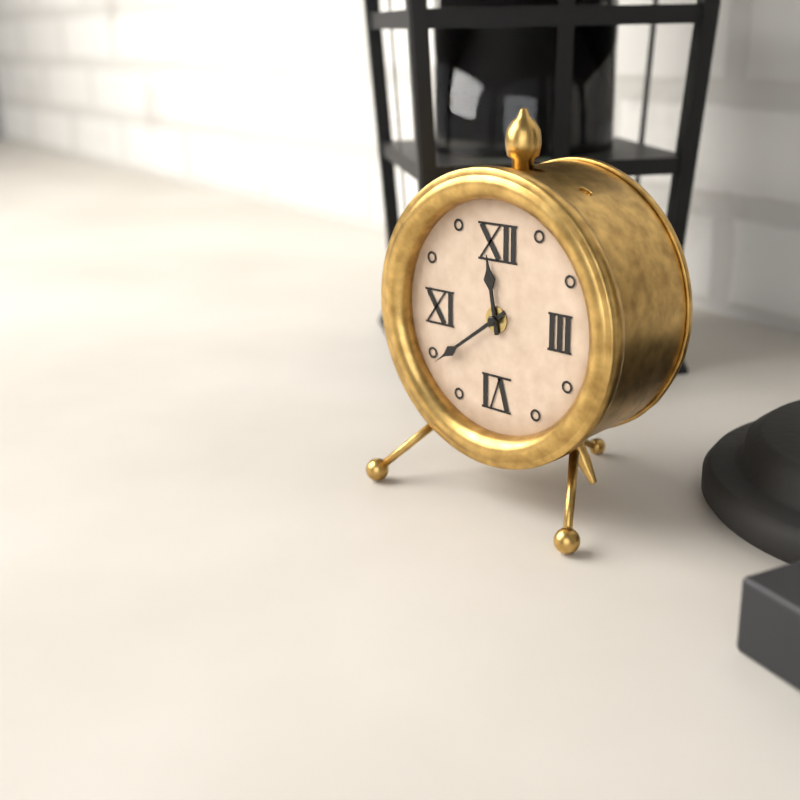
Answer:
**11:39**
